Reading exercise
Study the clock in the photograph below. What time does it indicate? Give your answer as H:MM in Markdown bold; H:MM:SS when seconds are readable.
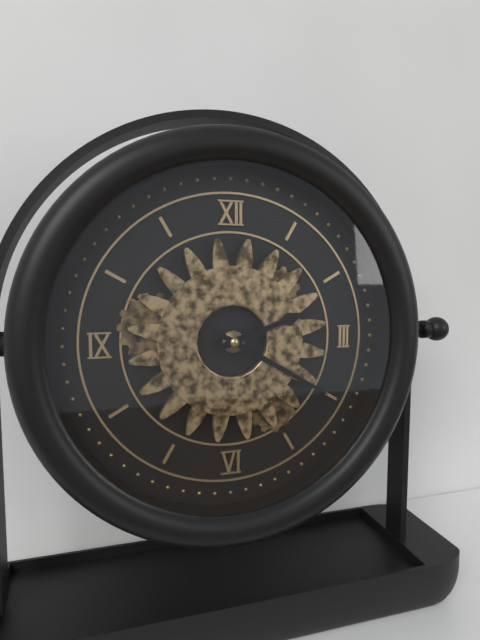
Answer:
**2:20**
